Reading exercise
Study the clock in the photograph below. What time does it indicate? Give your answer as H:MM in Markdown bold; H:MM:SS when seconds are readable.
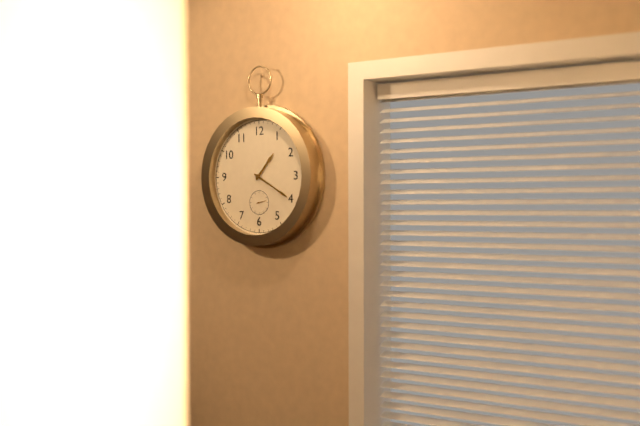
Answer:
**1:20**
